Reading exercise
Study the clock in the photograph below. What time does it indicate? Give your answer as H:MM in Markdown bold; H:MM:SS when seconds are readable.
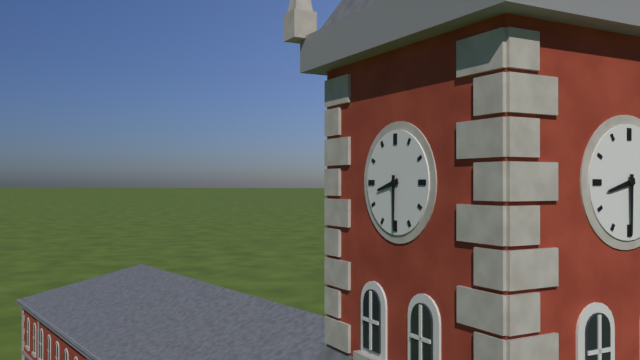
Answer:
**8:30**
